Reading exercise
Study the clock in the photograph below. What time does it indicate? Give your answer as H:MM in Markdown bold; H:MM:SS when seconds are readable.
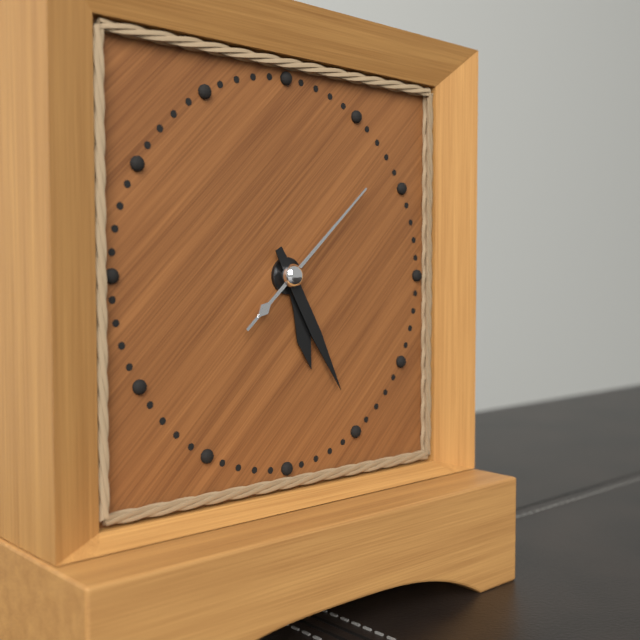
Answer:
**5:25:08**
